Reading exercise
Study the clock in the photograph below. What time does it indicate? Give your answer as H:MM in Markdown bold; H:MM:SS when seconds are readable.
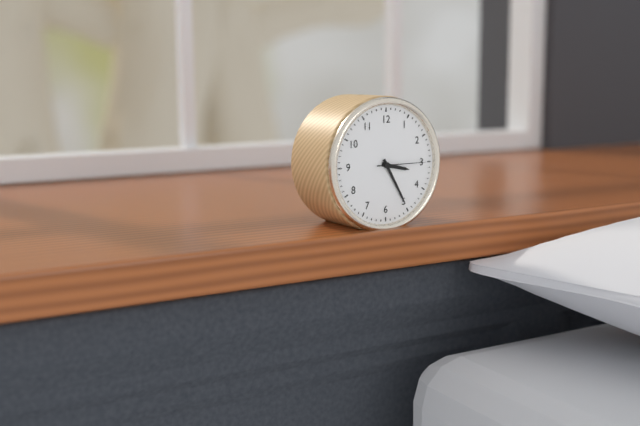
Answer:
**3:25:15**
